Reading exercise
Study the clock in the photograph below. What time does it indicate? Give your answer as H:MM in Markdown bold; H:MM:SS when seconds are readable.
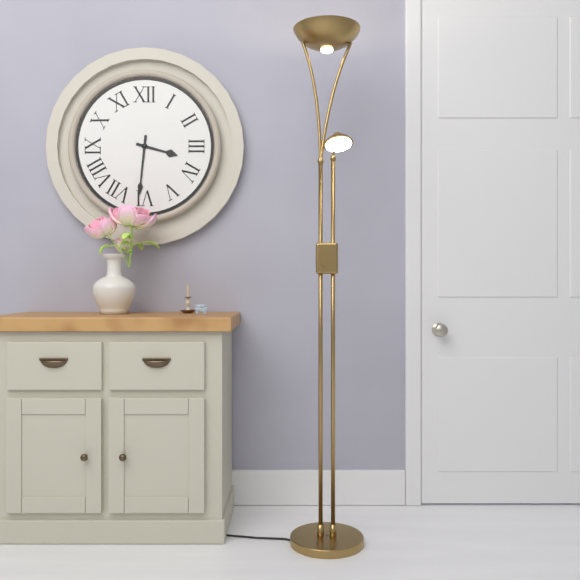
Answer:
**3:31**
